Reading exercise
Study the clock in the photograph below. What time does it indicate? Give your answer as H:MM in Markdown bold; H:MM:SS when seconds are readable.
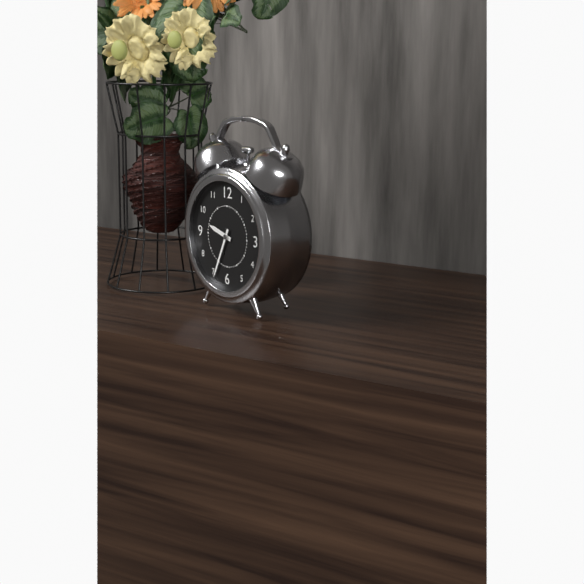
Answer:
**9:34**
